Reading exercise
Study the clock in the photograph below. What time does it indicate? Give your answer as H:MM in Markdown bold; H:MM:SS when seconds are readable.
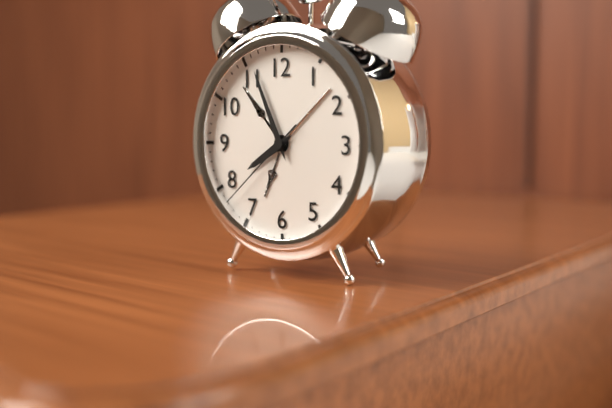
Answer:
**7:56:38**
